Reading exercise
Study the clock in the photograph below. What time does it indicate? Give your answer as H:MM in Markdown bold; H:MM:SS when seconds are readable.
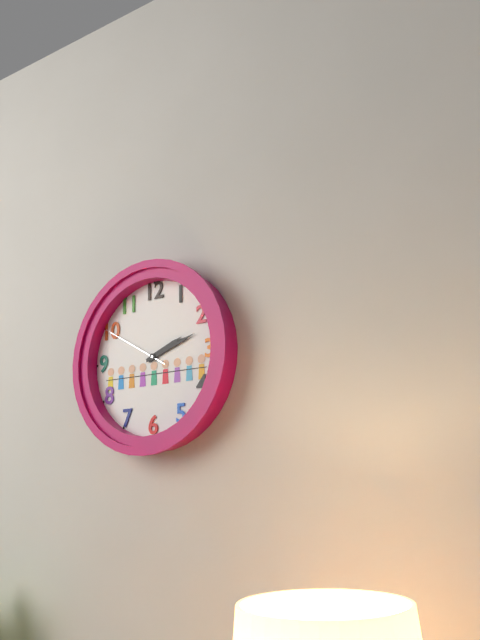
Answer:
**2:12:50**
